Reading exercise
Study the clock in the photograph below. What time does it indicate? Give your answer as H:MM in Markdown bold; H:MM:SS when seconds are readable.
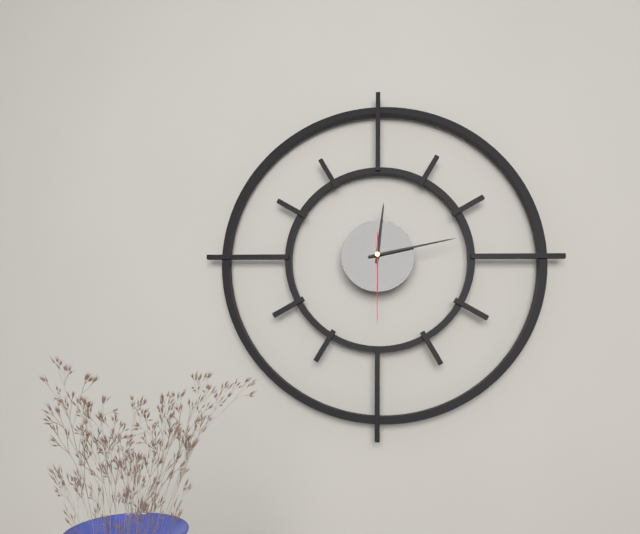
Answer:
**12:13:30**
